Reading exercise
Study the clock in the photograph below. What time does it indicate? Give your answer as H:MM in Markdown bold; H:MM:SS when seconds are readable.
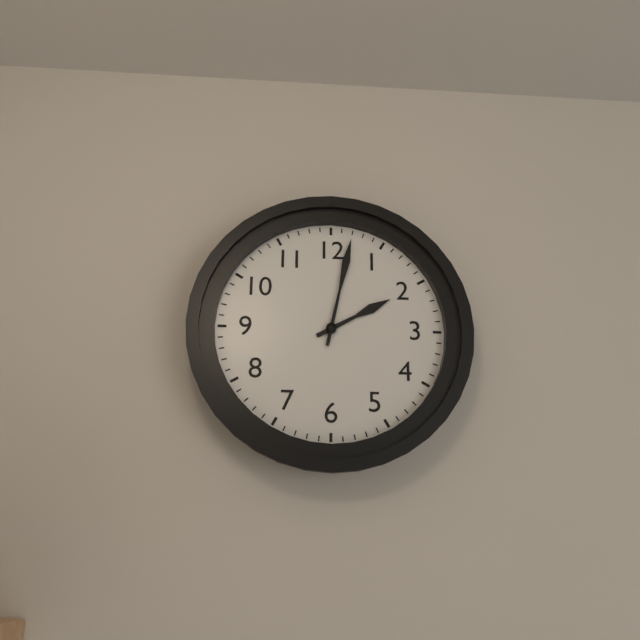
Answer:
**2:02**
